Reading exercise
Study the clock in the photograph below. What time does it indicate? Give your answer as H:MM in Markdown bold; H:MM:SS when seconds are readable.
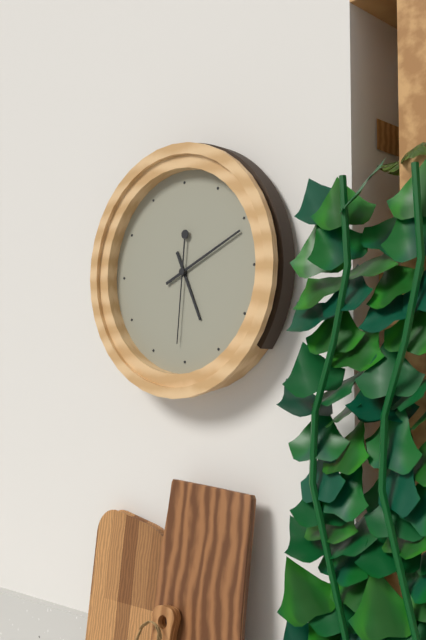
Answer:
**5:11:31**
